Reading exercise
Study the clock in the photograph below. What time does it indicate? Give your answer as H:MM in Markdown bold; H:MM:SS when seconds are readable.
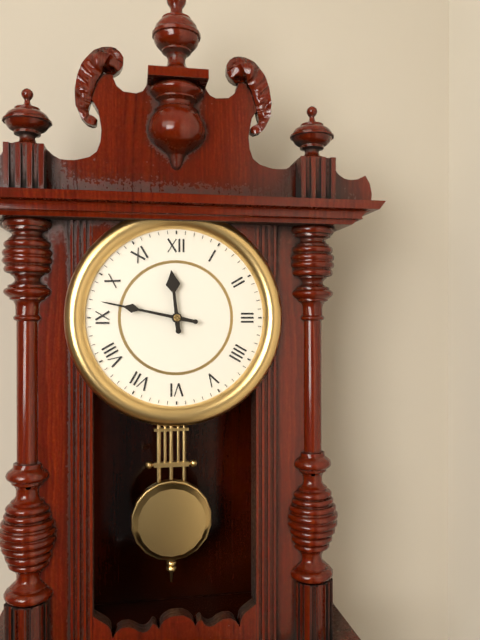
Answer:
**11:47**
